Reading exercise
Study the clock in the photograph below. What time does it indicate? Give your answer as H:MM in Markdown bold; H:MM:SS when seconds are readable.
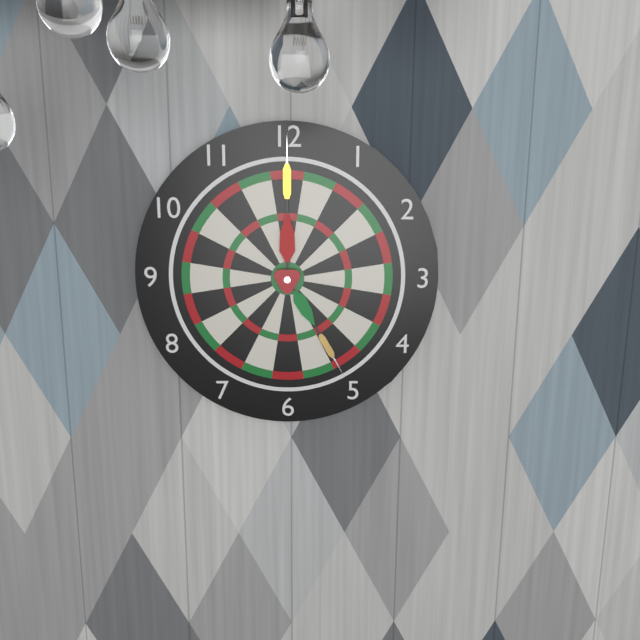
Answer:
**5:00**
